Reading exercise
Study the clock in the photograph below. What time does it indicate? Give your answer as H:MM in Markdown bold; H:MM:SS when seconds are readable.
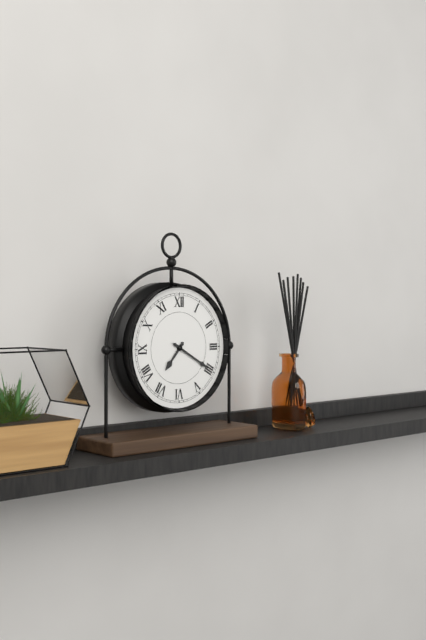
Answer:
**7:20**
